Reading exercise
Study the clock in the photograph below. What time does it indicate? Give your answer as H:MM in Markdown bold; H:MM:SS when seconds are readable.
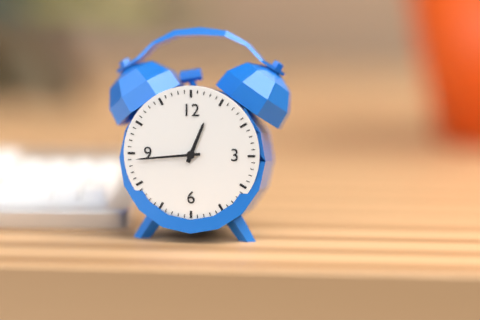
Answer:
**12:44**
